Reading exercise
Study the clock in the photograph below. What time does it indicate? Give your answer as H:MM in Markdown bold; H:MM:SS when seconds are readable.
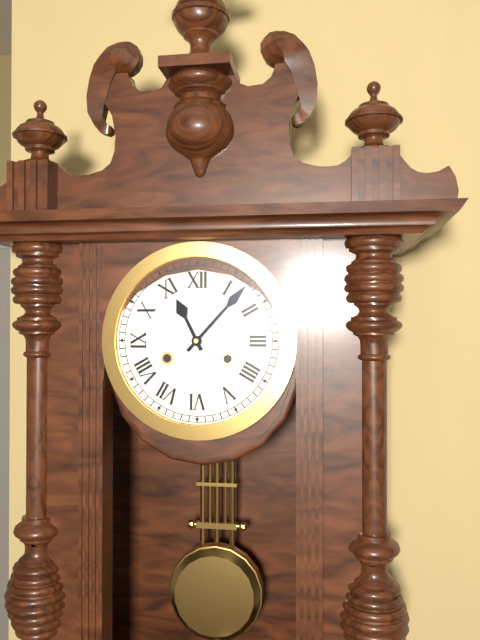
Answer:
**11:07**
